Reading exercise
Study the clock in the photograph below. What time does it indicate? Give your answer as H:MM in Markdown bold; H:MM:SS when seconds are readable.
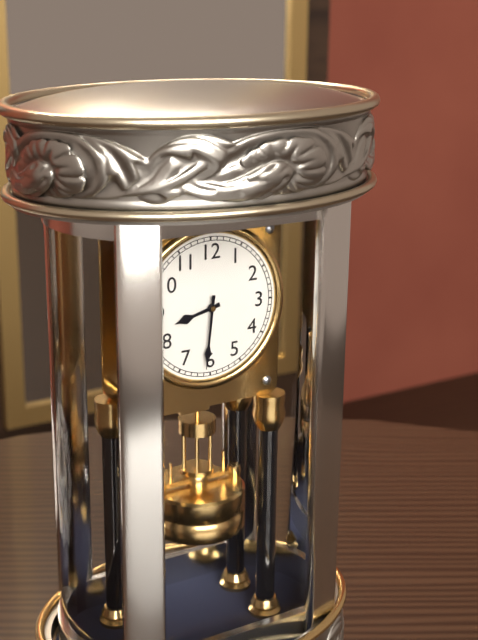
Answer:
**8:31**
